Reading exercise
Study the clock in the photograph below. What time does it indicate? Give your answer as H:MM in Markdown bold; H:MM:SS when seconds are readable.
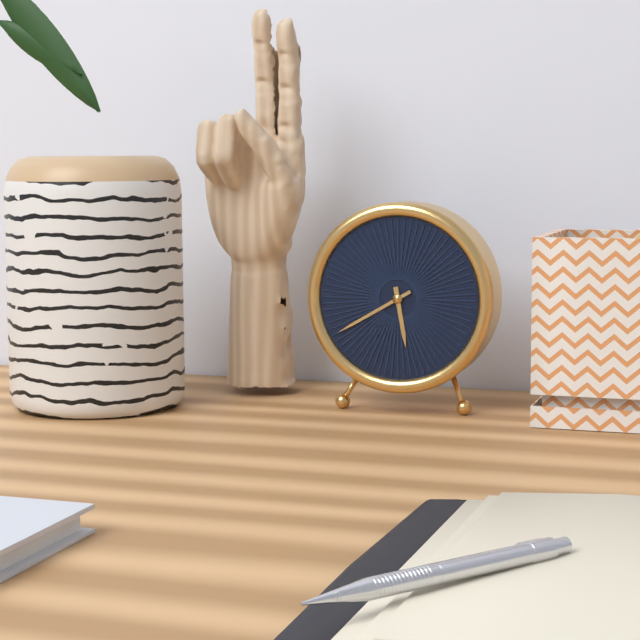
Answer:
**5:40**
